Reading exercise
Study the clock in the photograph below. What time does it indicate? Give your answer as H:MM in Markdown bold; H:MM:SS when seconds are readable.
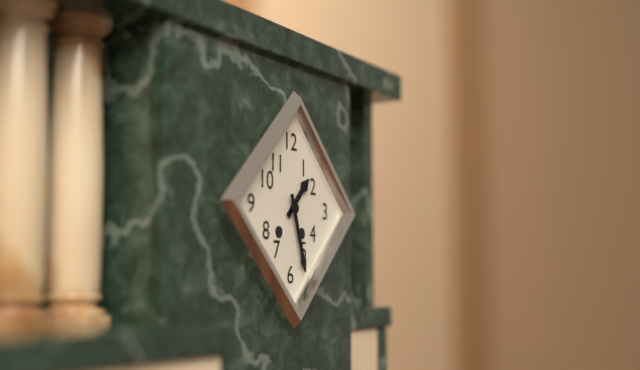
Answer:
**1:27**
